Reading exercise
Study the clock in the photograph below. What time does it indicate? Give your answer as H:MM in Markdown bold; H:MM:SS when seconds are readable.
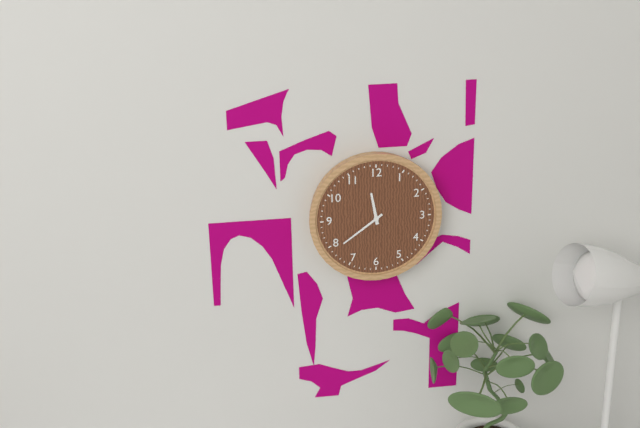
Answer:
**11:39**
